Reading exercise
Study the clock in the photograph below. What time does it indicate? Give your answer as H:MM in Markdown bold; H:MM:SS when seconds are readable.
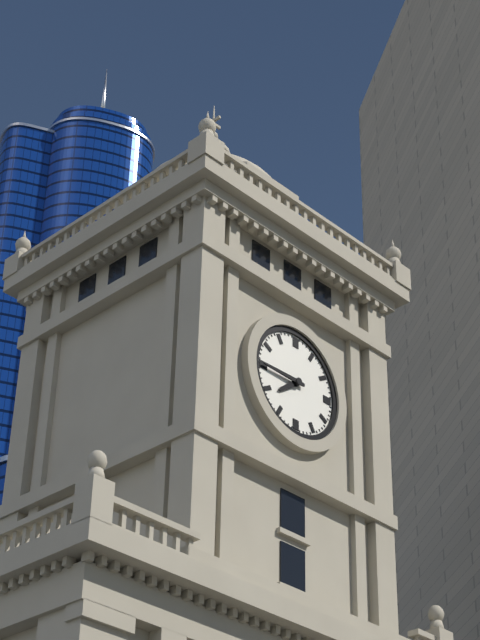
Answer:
**7:45**
